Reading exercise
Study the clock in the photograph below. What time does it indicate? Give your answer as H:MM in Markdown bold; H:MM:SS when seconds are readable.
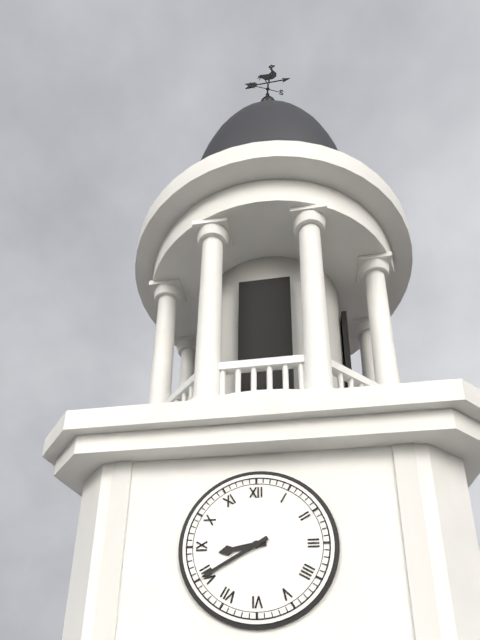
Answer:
**8:40**
